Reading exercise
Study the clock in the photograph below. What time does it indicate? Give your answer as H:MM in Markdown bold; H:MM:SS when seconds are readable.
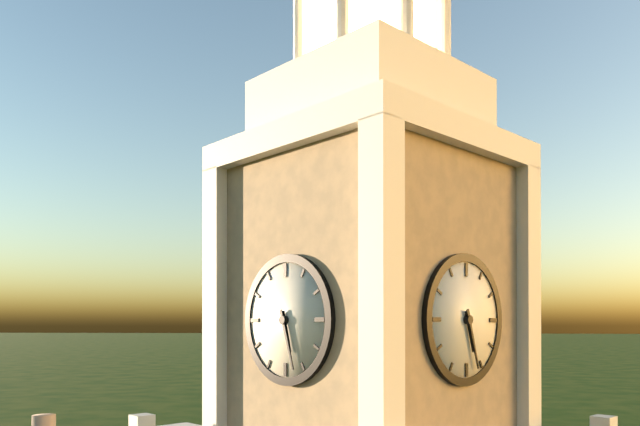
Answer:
**5:27**
